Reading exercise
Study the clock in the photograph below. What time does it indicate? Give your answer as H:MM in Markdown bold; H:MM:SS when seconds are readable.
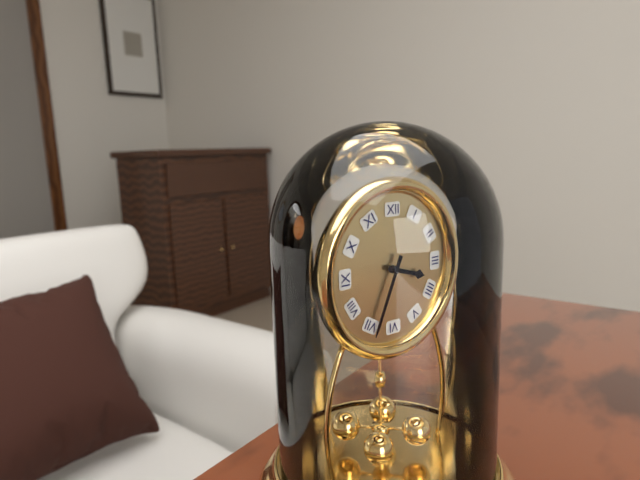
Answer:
**3:34**
